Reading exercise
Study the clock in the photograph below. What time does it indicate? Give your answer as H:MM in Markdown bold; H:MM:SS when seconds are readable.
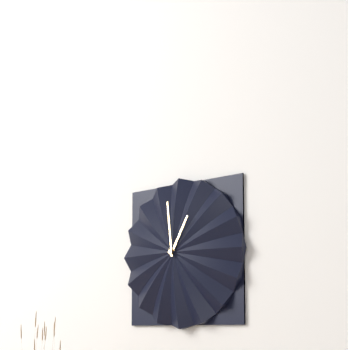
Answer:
**12:59**
